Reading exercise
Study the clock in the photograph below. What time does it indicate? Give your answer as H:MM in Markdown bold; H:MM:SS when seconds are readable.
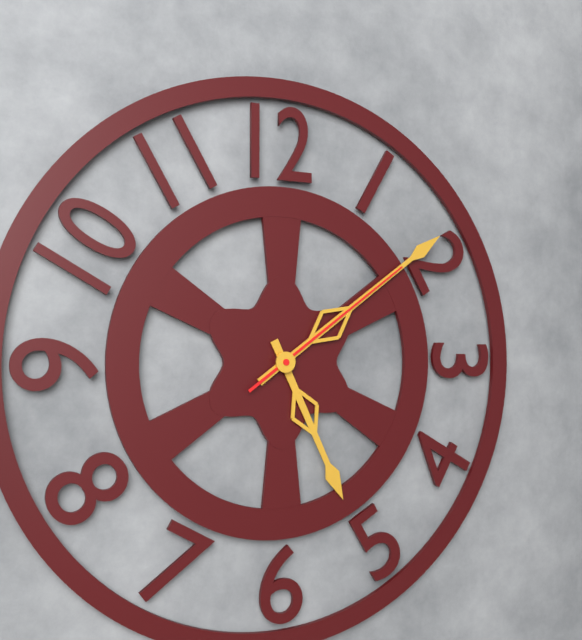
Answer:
**5:09:09**
